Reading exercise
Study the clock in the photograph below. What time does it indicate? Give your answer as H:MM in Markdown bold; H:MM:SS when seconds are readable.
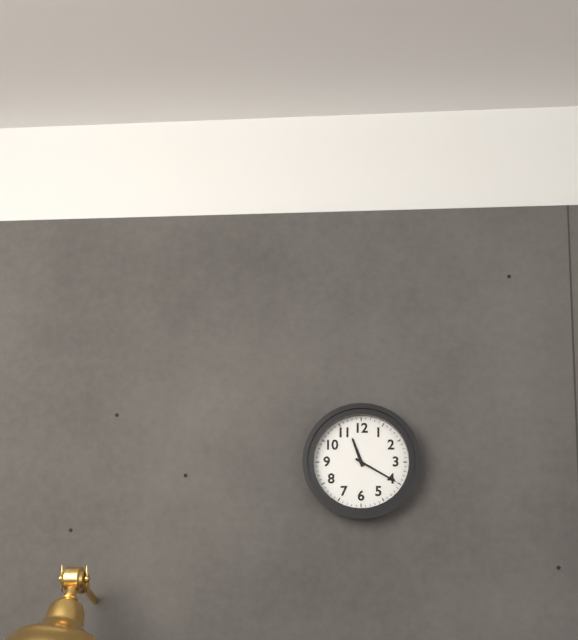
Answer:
**11:20**
